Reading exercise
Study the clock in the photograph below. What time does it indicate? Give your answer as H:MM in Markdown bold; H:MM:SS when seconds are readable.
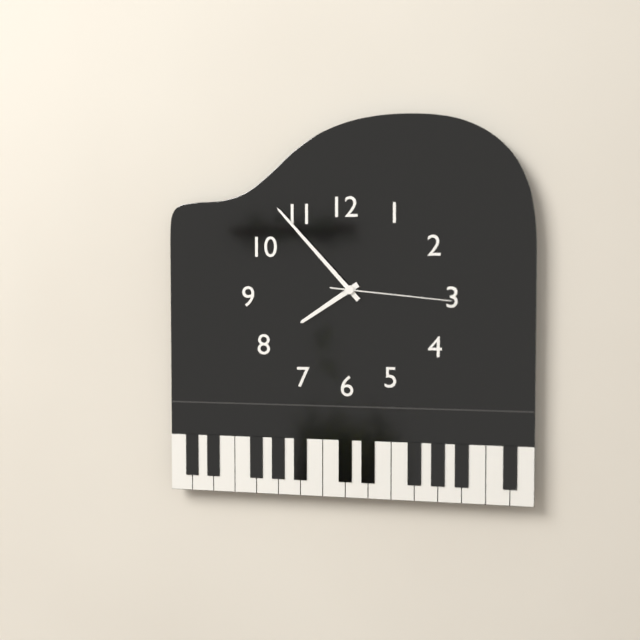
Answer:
**7:53:16**
